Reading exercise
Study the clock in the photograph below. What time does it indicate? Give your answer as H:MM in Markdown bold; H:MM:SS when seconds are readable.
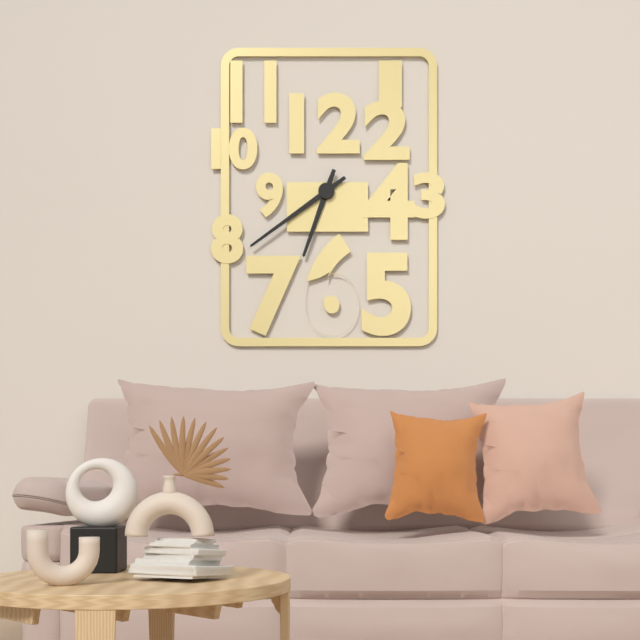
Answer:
**6:39**
